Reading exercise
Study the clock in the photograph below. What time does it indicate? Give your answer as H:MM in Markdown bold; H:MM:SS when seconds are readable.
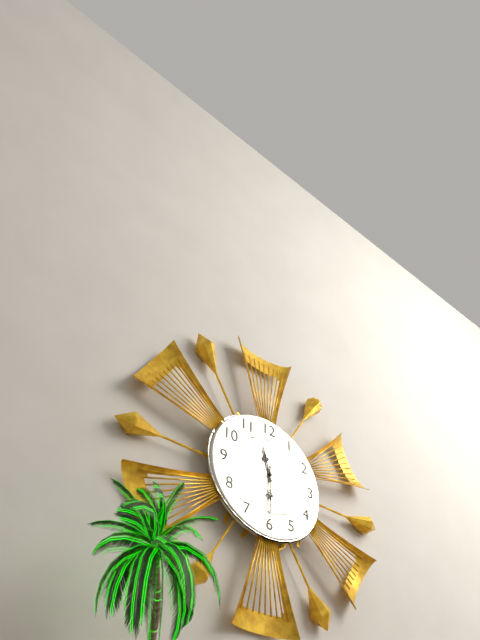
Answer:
**11:30**
